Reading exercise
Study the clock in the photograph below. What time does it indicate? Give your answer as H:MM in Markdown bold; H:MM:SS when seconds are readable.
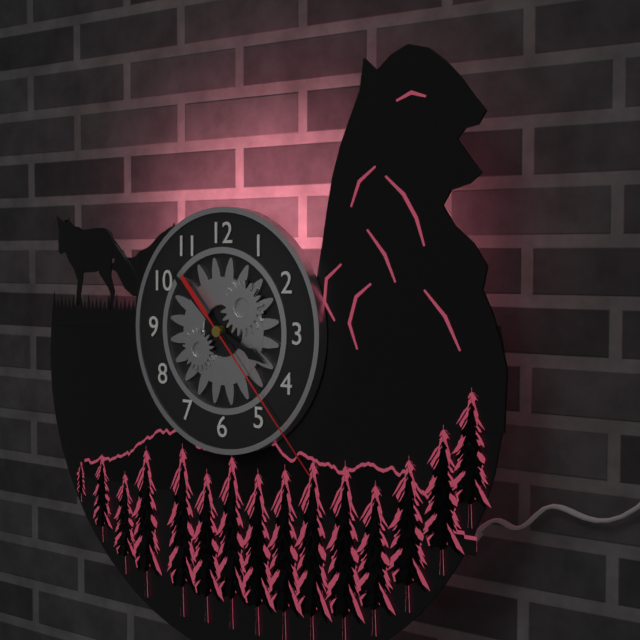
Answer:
**3:52:23**
